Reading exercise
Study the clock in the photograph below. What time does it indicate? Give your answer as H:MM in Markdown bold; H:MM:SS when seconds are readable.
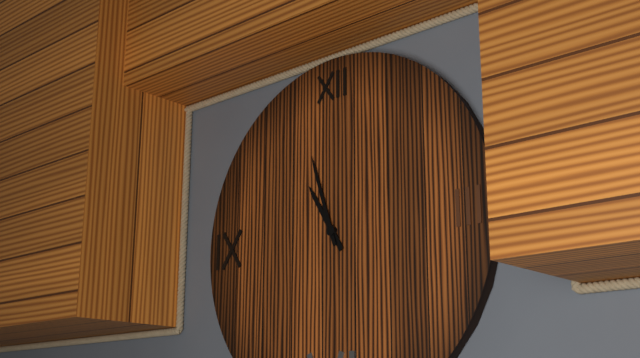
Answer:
**10:57**
